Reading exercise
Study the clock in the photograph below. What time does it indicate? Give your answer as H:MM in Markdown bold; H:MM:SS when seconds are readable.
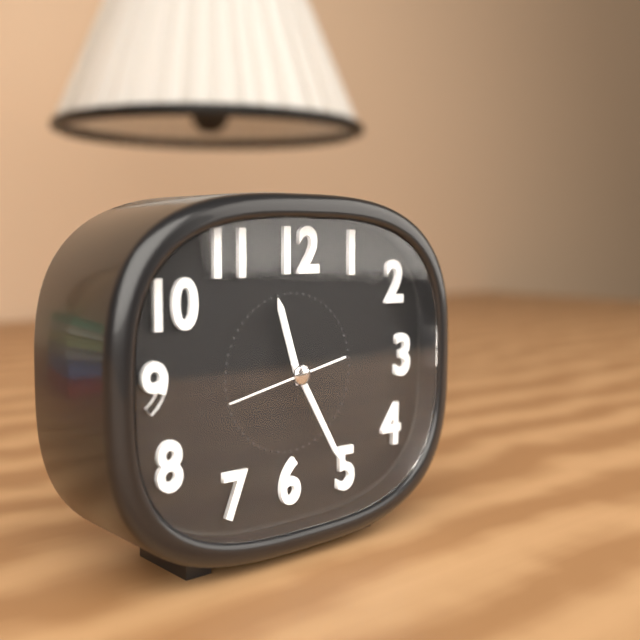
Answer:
**11:25:43**
